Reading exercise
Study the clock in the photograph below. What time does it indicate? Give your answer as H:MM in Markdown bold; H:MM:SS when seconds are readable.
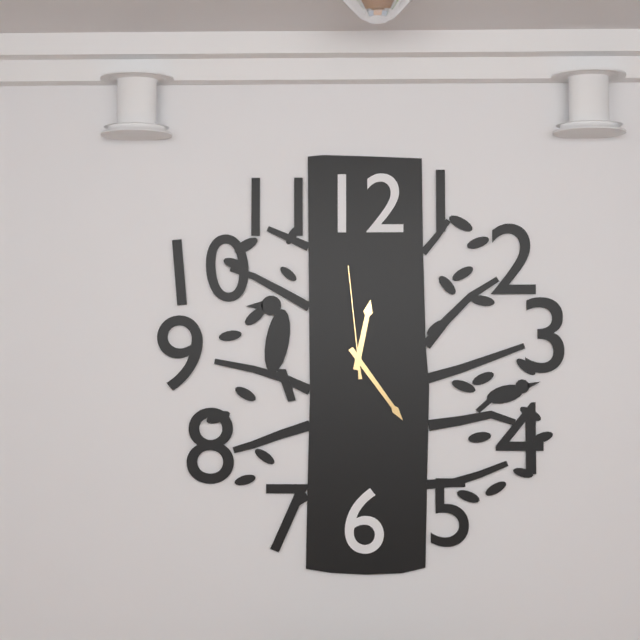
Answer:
**12:24:59**
